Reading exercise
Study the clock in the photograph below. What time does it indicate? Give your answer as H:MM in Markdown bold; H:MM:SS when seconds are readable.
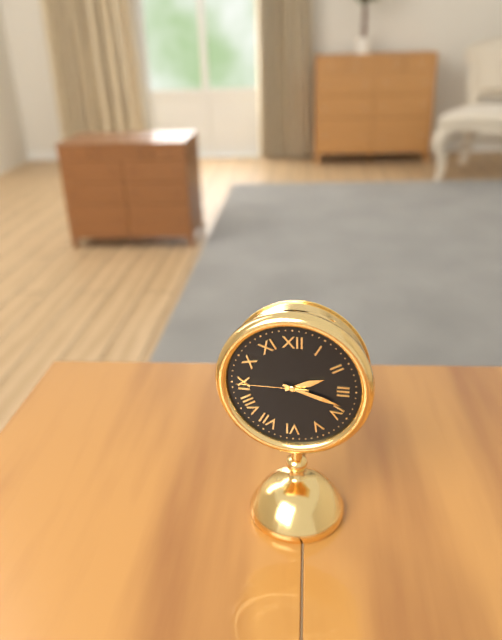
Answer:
**2:18:45**
